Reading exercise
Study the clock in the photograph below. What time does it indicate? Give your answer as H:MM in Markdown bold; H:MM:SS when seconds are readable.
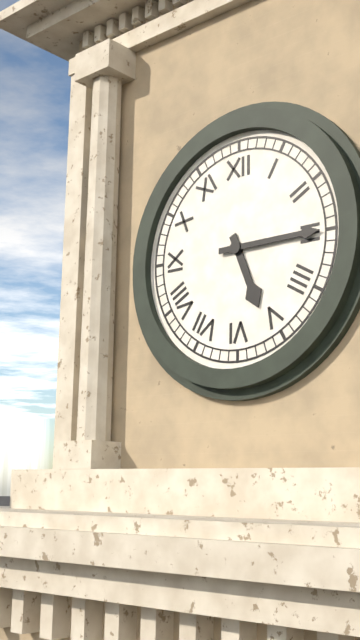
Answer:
**5:15**
